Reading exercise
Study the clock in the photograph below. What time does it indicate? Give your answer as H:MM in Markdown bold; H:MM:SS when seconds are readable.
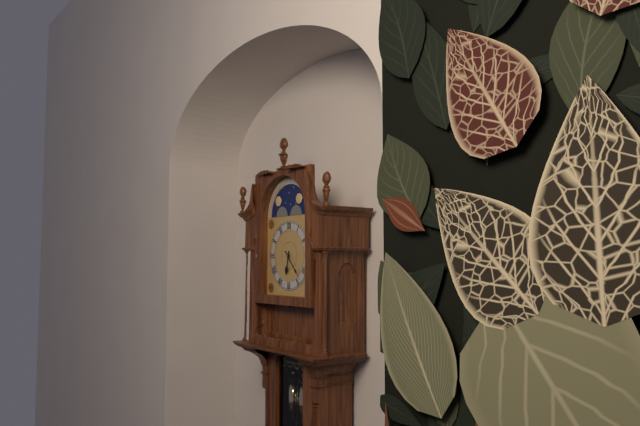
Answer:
**6:23**
